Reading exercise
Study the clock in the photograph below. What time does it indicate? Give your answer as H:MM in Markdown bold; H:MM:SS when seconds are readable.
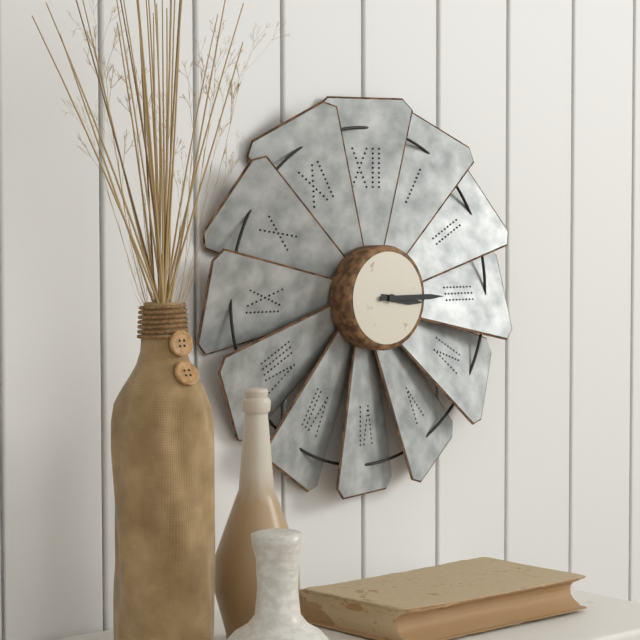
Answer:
**3:15**
